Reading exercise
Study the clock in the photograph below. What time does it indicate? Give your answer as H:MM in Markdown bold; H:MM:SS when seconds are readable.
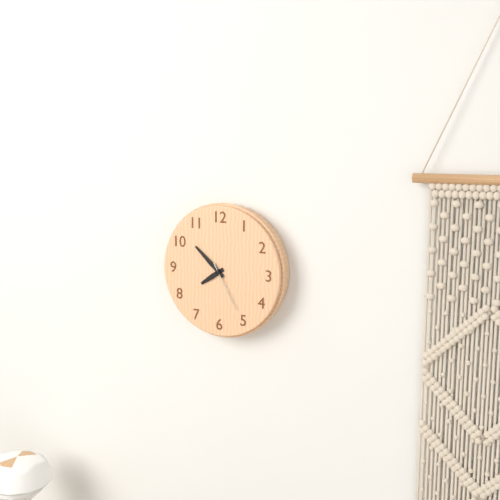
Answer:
**7:52:25**
